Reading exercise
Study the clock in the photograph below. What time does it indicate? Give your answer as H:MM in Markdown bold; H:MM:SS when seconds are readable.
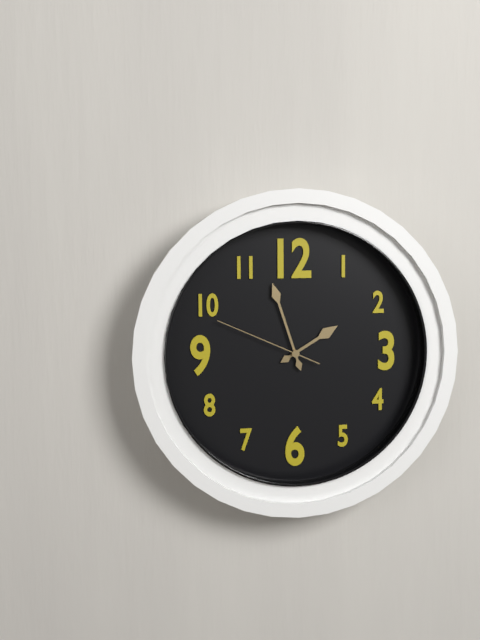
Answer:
**1:57:49**
